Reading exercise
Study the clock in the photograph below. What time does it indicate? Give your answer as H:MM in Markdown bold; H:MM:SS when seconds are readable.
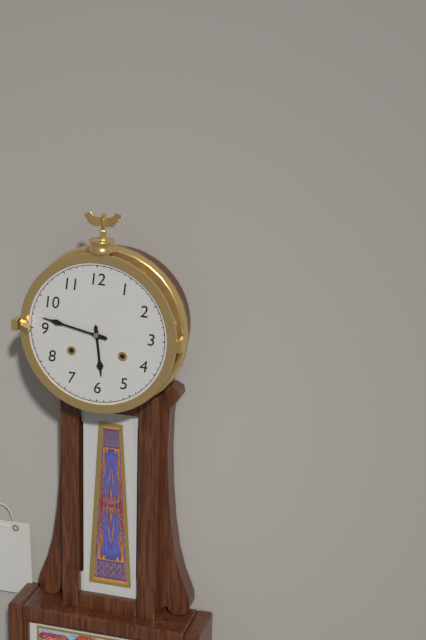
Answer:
**5:47**
